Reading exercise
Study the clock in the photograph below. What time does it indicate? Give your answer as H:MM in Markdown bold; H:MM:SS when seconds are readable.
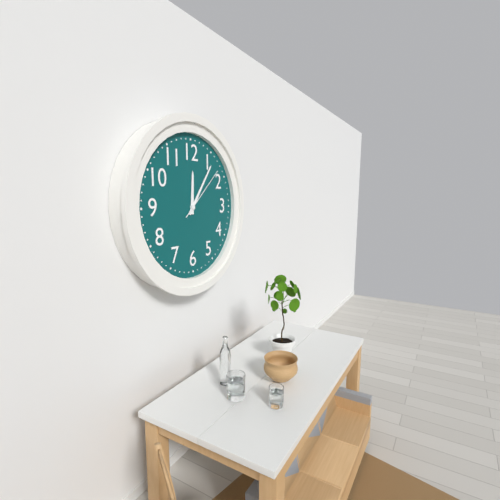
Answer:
**12:06:08**
